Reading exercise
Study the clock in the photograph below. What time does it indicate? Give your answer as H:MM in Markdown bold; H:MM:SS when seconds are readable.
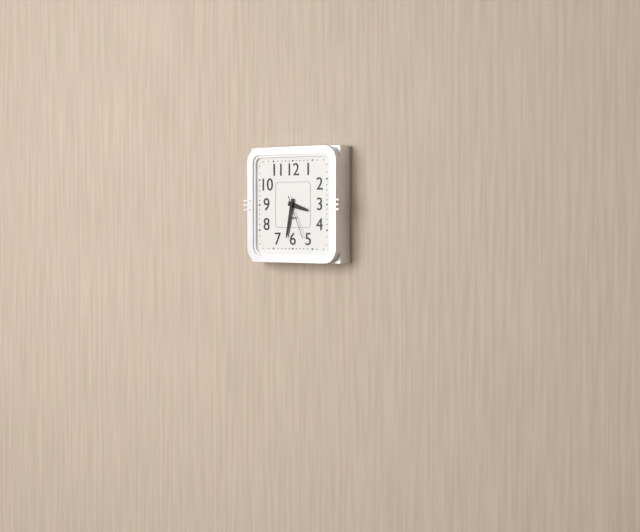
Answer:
**3:32**
